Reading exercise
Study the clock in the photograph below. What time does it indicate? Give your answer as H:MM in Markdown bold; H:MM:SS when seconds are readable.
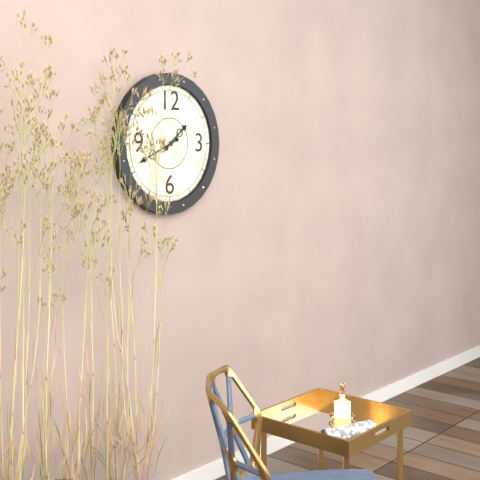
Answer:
**1:41**
